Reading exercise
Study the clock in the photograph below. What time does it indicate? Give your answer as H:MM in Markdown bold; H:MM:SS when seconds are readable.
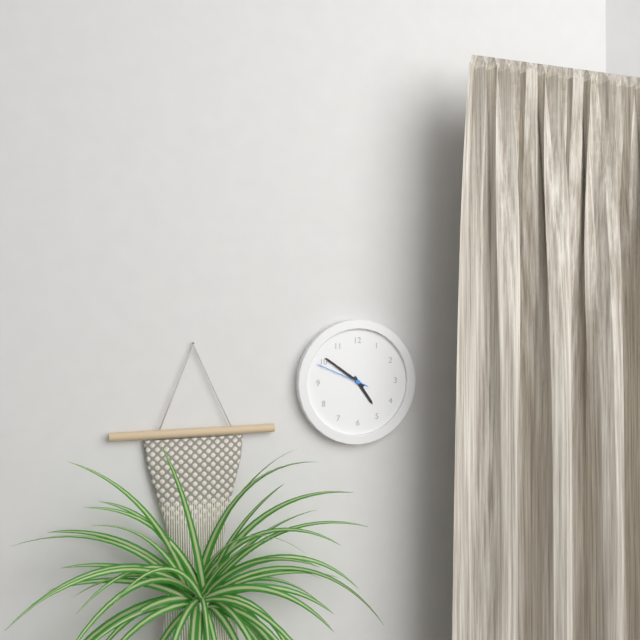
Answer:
**4:51:49**
